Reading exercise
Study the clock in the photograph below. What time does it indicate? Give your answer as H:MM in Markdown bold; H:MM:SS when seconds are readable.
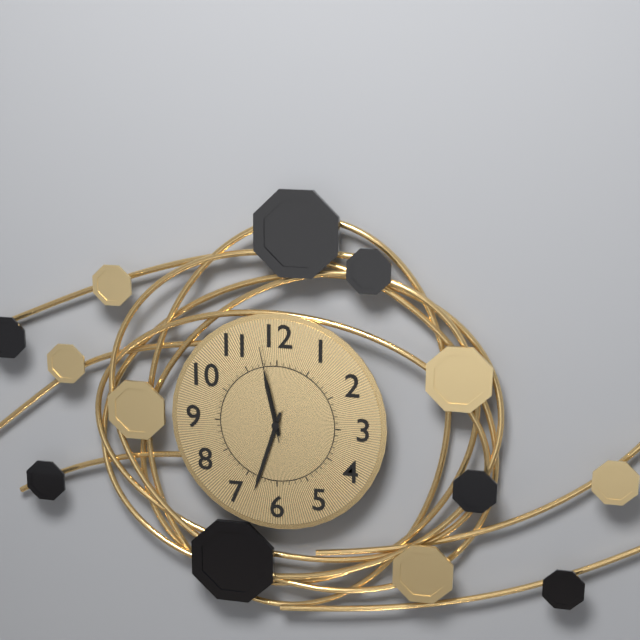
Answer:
**11:33:58**
